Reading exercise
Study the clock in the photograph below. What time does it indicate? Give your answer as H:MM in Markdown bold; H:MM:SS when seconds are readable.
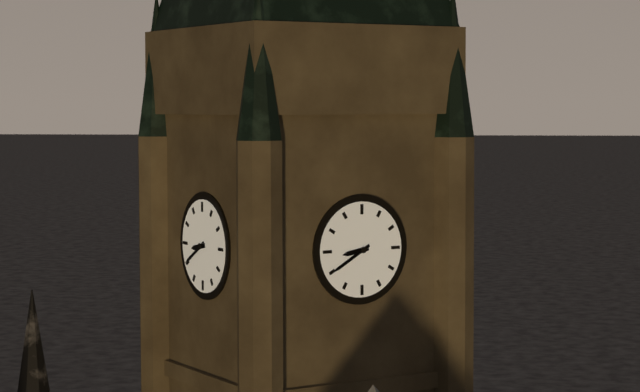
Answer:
**8:40**
